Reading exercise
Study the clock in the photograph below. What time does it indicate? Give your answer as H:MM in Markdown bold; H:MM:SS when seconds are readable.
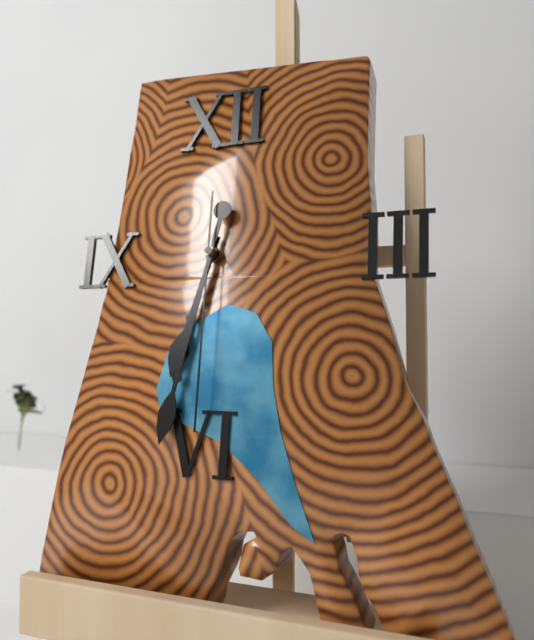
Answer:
**6:32:30**
